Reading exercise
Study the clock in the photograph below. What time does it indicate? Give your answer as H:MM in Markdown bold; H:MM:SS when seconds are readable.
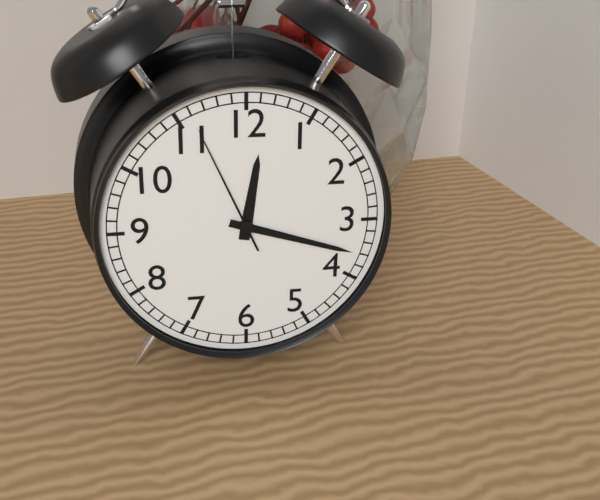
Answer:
**12:18:56**
